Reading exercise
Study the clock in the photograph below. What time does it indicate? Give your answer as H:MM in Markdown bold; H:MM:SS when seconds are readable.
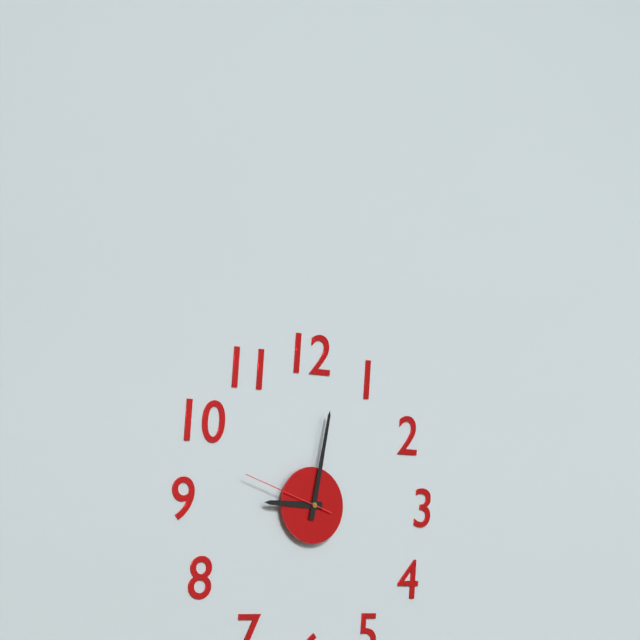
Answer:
**9:02:48**
